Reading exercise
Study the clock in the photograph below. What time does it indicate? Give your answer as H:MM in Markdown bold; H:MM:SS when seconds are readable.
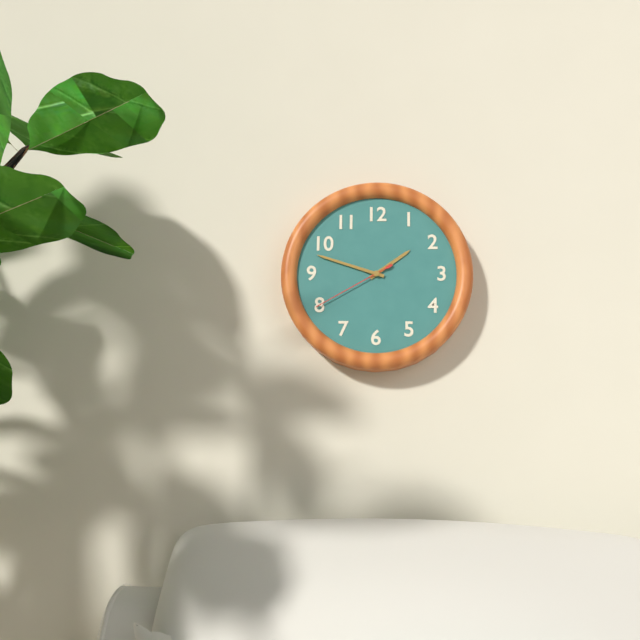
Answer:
**1:48:40**
